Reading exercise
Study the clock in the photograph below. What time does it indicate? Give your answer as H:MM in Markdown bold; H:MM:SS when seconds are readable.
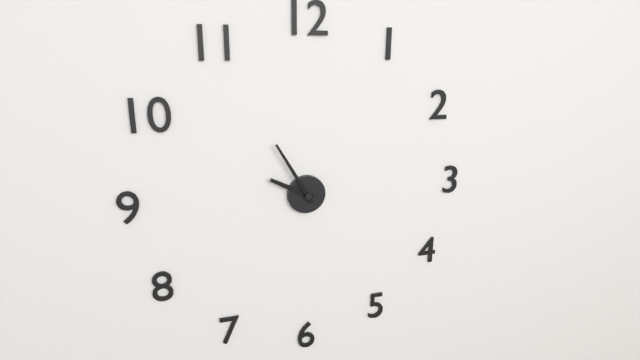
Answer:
**9:55**
